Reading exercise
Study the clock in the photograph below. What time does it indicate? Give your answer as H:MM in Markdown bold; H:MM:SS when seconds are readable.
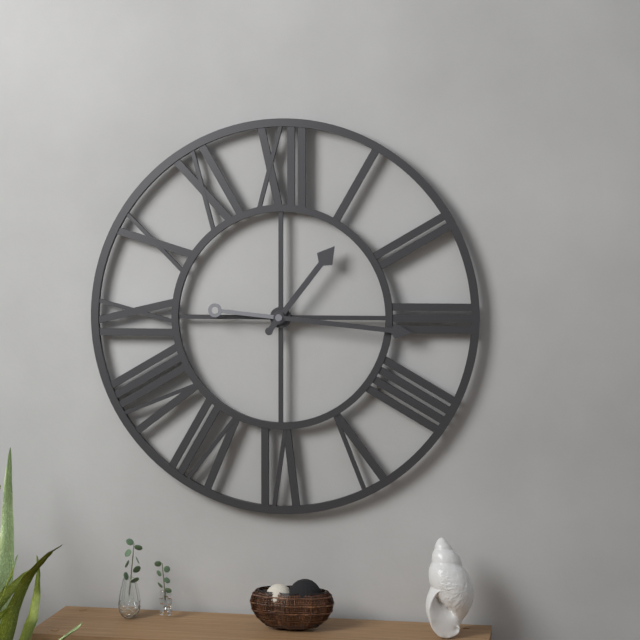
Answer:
**1:16**
